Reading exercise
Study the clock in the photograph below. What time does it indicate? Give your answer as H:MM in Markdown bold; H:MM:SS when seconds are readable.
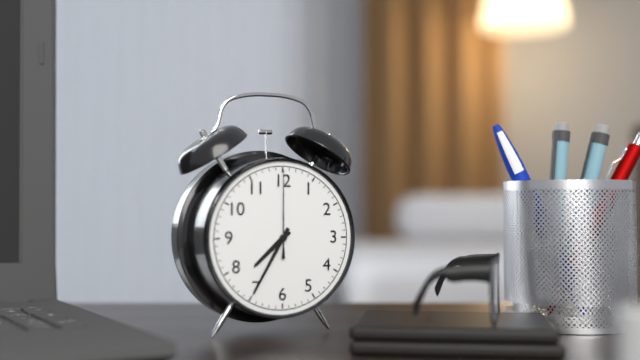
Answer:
**7:35:00**
